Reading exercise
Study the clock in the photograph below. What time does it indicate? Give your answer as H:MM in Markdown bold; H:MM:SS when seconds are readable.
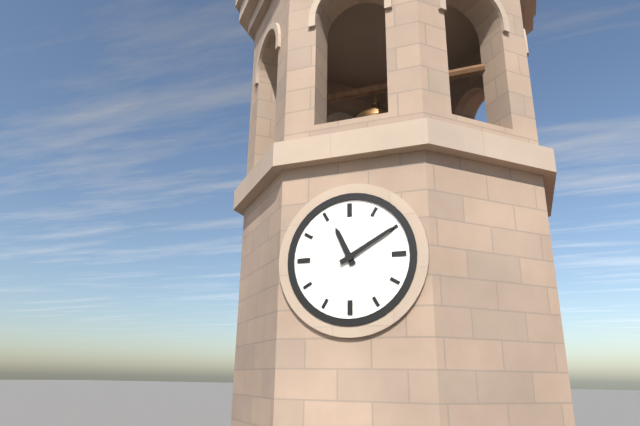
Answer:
**11:10**
